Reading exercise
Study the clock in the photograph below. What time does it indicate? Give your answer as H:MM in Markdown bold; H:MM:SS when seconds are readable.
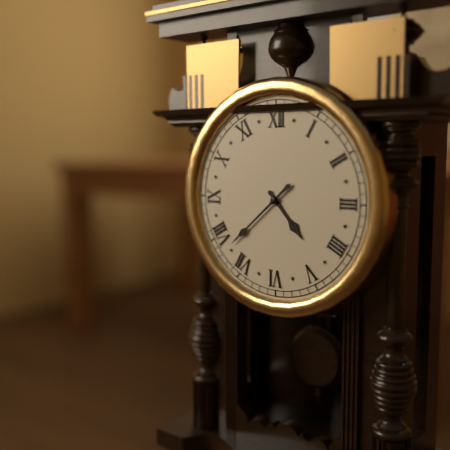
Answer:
**4:38**
